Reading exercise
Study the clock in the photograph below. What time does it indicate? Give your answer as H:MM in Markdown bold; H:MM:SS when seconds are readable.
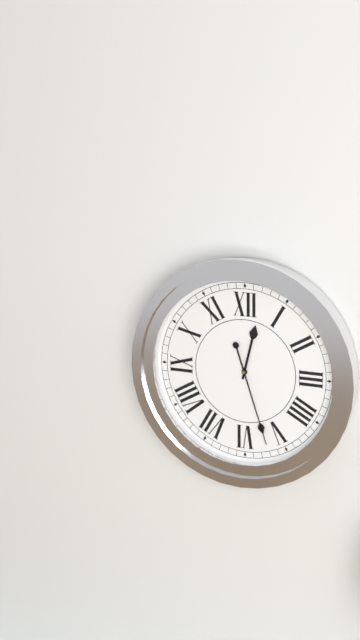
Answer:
**12:27**
